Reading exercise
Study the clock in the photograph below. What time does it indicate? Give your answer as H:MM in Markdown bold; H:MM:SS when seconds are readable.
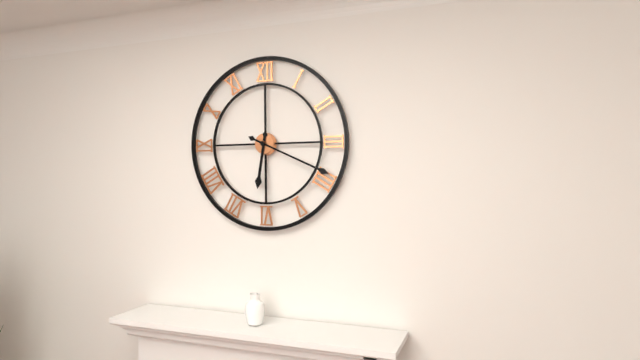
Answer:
**6:19**
